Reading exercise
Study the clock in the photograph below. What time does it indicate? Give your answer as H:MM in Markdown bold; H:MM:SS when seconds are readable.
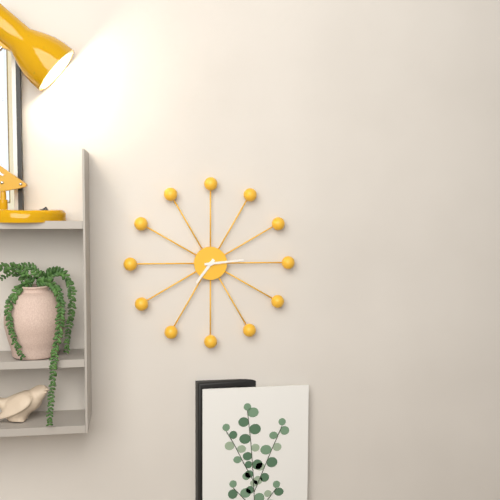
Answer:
**7:14**
